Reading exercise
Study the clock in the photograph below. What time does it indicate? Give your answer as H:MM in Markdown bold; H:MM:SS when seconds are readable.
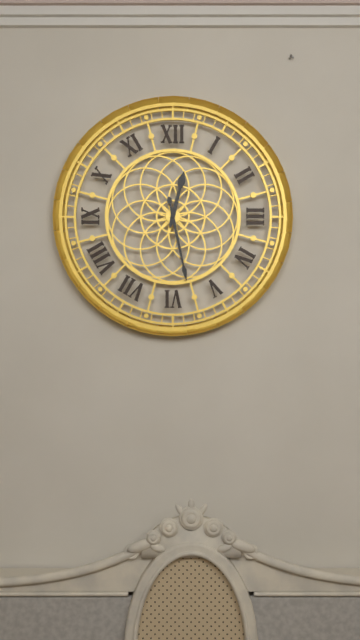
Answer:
**12:28**
